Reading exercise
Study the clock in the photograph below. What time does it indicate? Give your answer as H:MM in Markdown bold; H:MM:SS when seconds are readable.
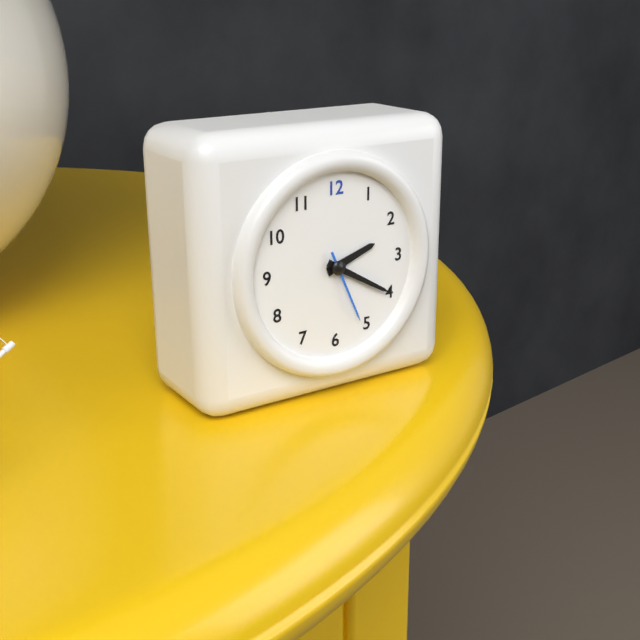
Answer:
**2:20:26**
